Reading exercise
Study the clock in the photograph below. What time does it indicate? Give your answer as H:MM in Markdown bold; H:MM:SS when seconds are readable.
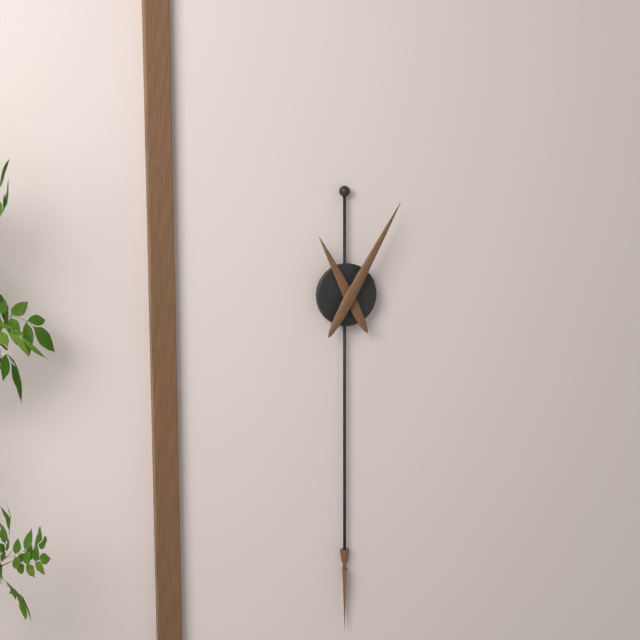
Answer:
**11:05**
